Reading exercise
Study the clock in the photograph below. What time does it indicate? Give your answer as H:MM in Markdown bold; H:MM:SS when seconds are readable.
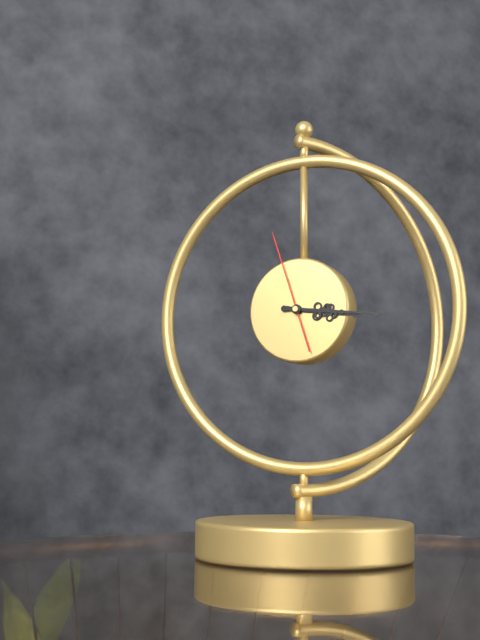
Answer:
**3:16:57**
